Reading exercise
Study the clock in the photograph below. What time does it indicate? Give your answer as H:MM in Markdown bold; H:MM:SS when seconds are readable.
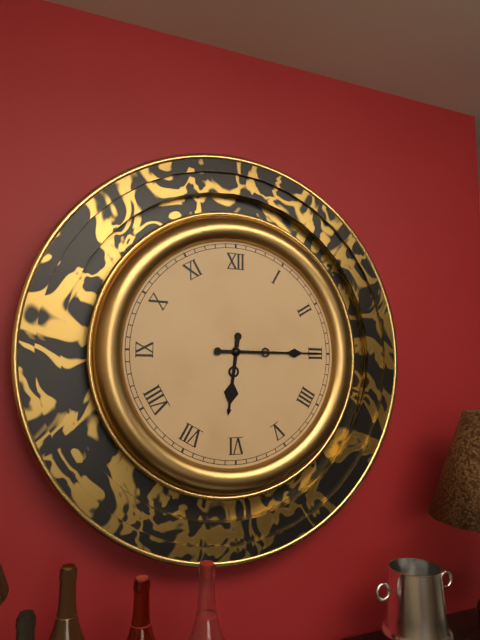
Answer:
**6:15**
